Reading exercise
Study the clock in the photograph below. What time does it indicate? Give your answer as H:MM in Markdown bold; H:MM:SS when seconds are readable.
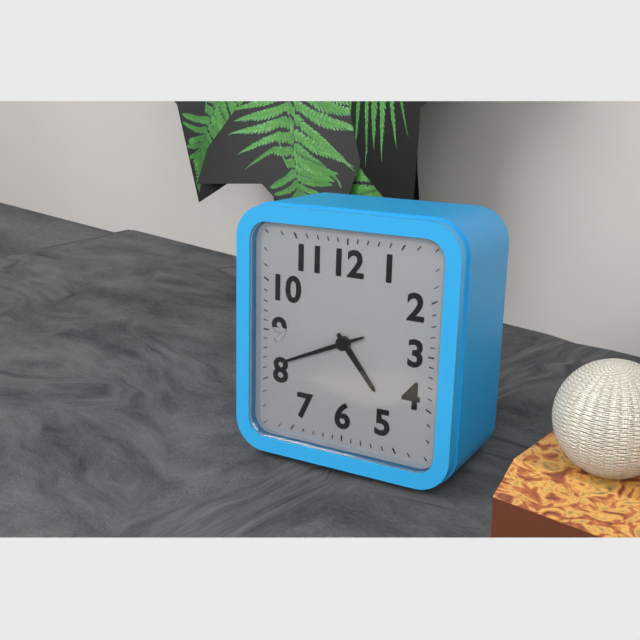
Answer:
**4:41**
